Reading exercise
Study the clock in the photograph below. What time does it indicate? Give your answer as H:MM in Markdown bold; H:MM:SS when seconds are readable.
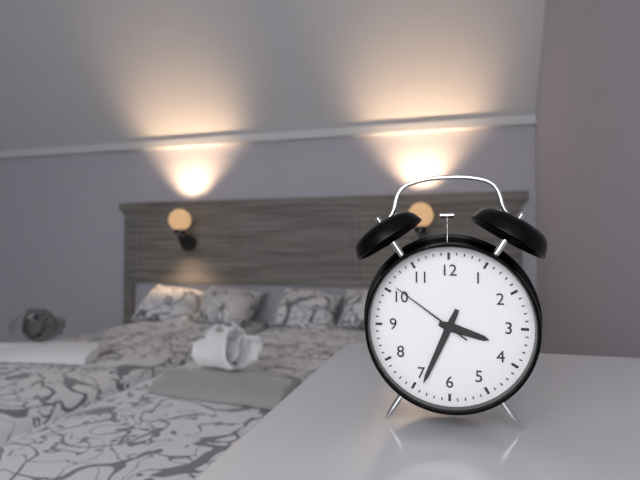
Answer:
**3:34:51**
